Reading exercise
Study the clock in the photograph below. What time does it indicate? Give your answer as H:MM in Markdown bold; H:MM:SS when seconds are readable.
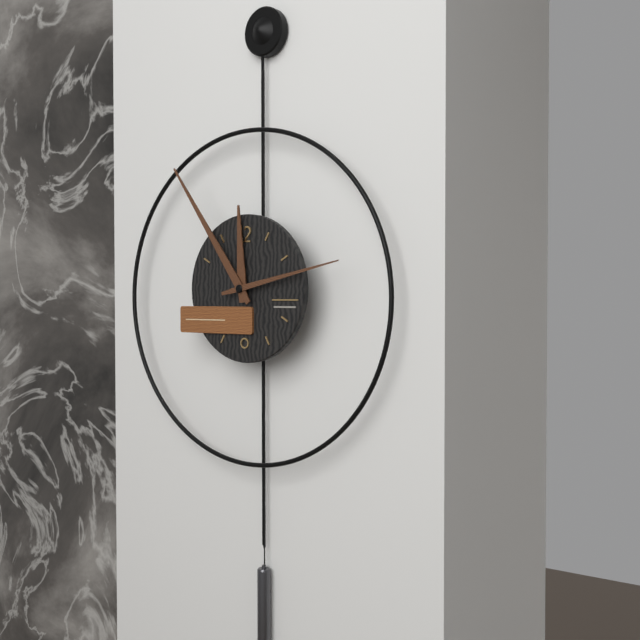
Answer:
**11:54:13**
